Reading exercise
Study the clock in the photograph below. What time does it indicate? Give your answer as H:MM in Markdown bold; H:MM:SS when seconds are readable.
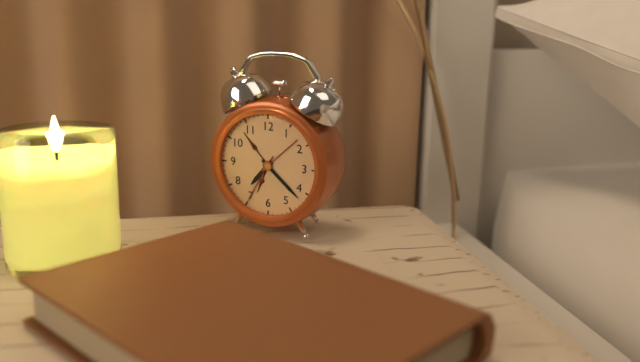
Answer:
**7:22:35**
